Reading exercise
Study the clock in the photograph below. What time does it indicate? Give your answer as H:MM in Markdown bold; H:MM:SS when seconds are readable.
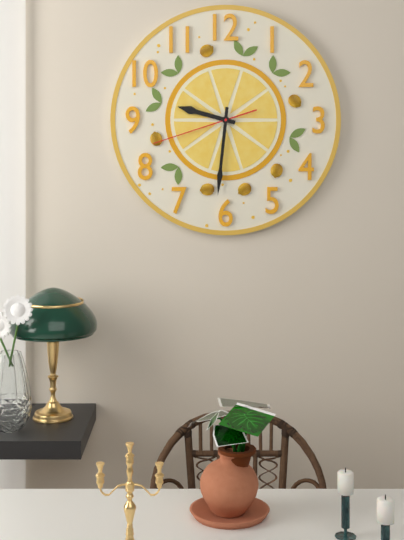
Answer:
**9:31:42**
